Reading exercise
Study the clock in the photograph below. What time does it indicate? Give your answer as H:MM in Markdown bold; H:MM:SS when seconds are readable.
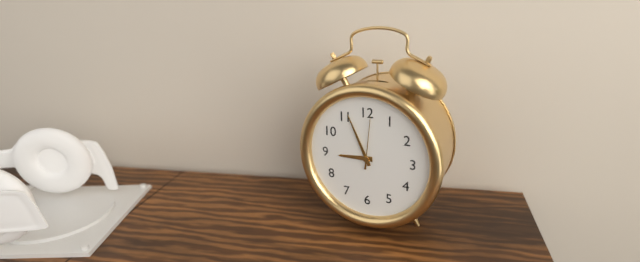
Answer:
**8:56:01**
